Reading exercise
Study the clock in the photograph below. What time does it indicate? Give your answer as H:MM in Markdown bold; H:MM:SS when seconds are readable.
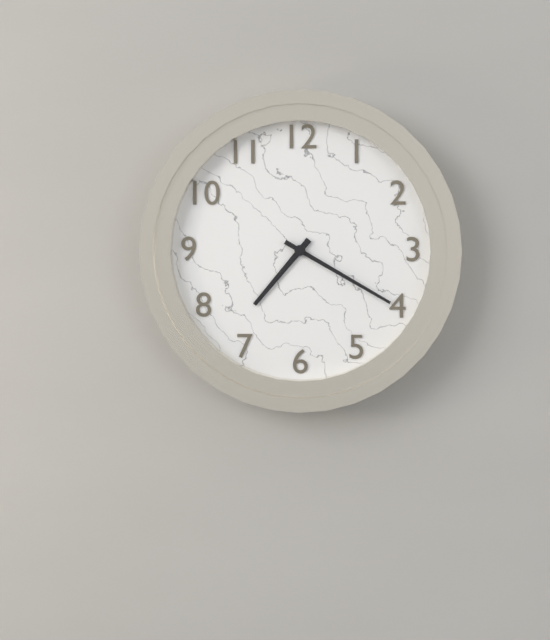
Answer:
**7:20**
